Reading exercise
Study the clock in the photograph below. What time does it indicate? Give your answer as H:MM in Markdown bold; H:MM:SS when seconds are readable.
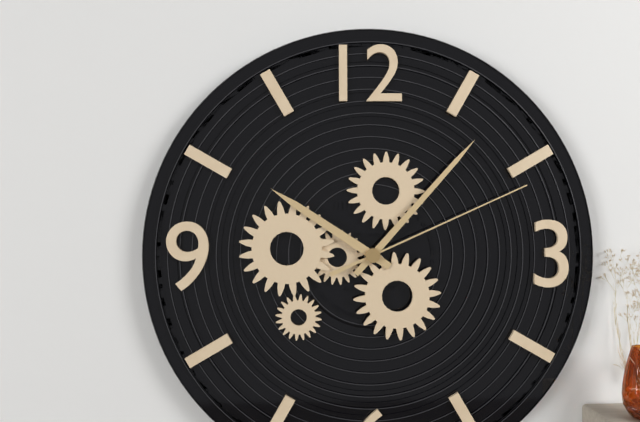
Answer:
**10:07:11**
